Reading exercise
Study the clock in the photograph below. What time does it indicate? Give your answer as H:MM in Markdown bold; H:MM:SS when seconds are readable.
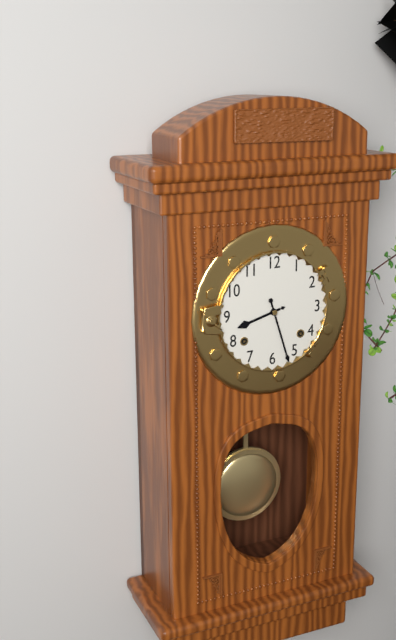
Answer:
**8:27**
